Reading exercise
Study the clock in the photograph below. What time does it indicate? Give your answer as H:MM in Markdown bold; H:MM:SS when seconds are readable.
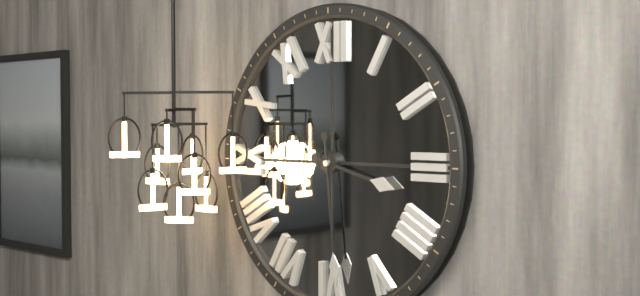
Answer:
**3:29**
